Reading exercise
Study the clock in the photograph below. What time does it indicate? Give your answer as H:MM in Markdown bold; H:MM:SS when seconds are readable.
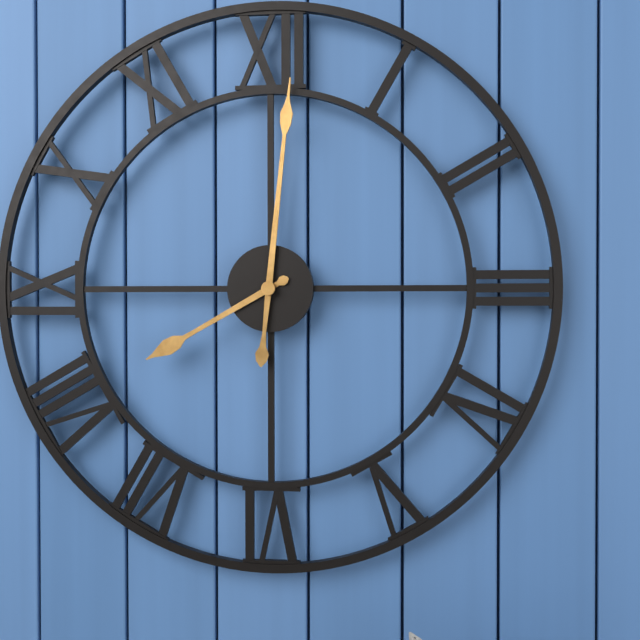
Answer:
**8:01**
